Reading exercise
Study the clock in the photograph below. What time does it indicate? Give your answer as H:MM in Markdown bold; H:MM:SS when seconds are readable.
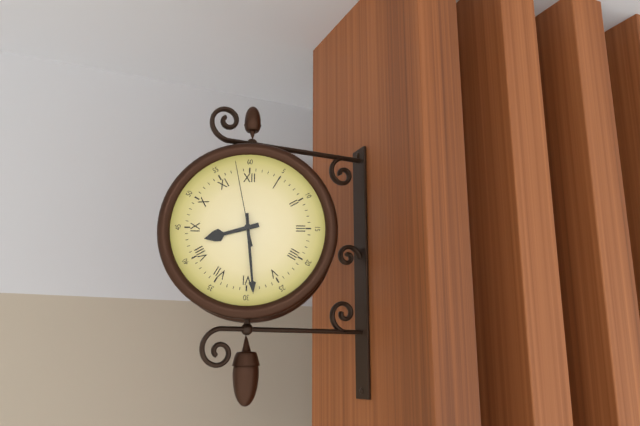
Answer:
**8:29:58**
